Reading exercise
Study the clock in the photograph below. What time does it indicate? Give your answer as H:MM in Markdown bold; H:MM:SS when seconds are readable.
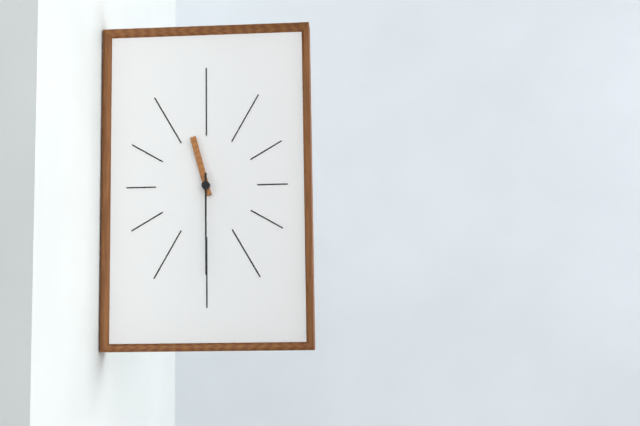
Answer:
**11:30**
